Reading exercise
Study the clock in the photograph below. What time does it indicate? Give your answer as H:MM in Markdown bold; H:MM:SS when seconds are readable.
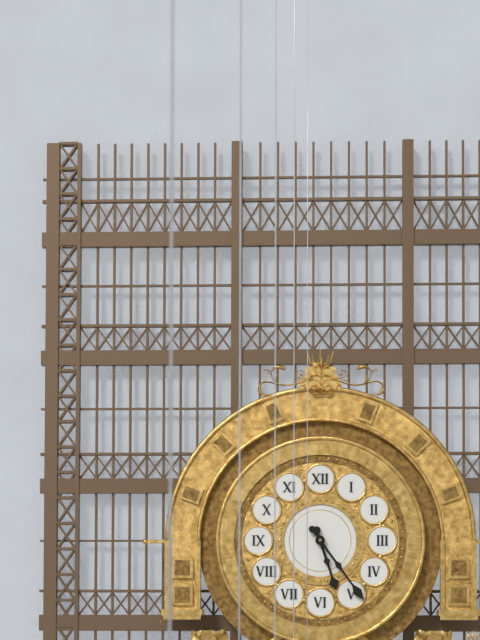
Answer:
**5:24**
